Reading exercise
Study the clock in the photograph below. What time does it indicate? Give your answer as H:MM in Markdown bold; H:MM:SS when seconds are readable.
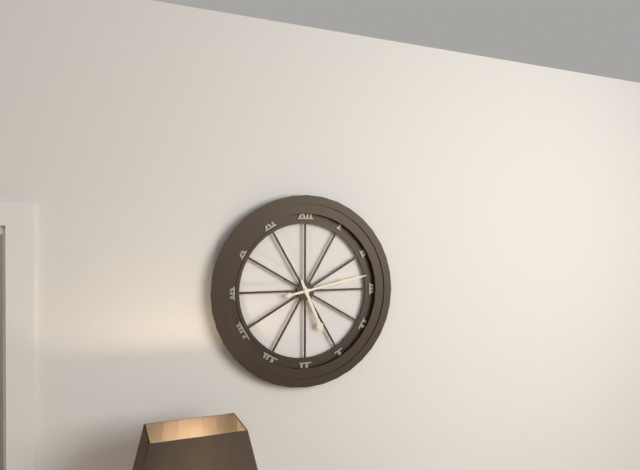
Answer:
**5:13**
